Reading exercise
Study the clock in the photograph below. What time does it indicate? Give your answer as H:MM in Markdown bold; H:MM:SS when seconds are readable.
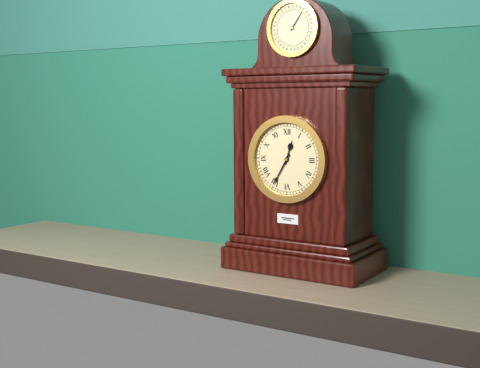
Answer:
**12:35**
